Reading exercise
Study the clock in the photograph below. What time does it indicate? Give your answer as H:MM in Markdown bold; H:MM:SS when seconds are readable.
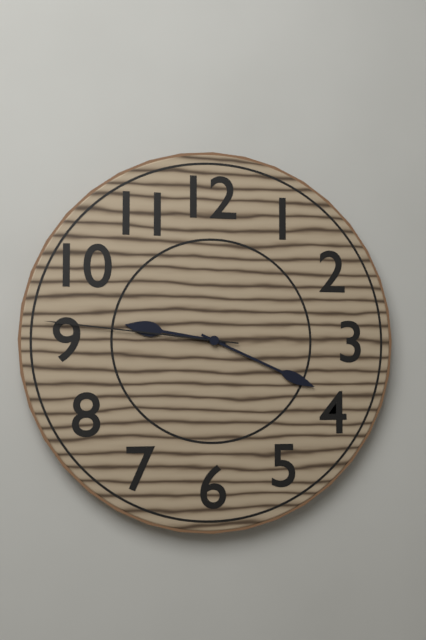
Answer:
**9:19:46**
